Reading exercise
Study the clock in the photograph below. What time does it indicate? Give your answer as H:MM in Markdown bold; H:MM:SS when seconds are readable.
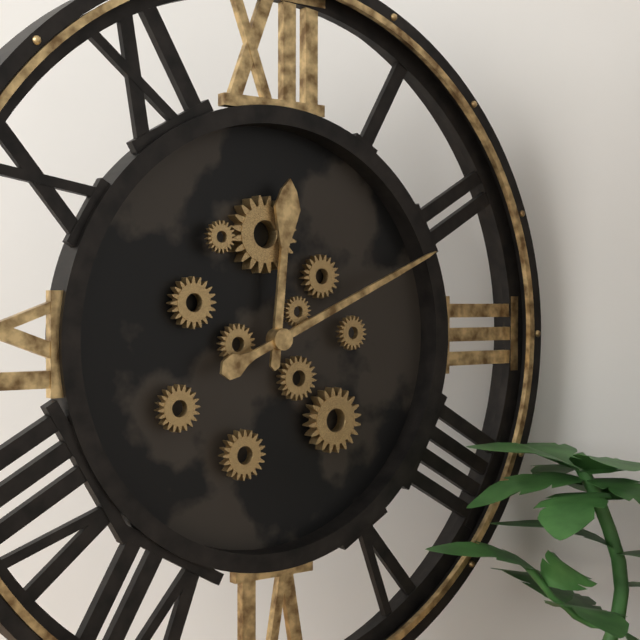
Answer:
**12:11**
